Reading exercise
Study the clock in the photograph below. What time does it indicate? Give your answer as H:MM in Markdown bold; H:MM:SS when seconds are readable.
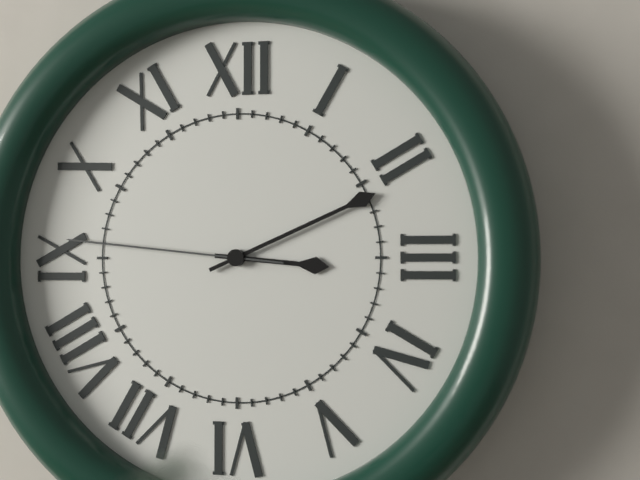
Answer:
**3:11:46**
